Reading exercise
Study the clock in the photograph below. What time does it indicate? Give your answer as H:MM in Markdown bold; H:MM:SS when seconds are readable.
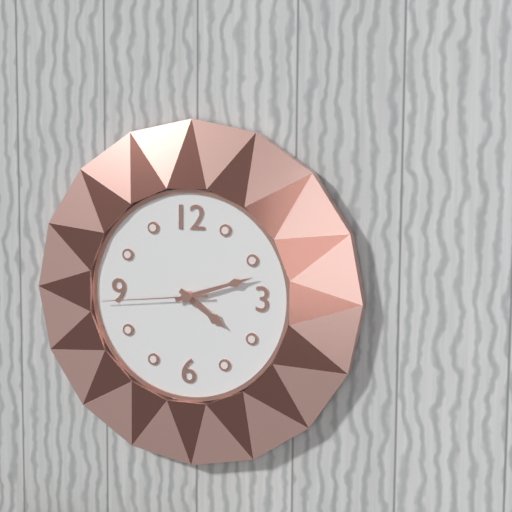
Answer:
**4:12:44**
